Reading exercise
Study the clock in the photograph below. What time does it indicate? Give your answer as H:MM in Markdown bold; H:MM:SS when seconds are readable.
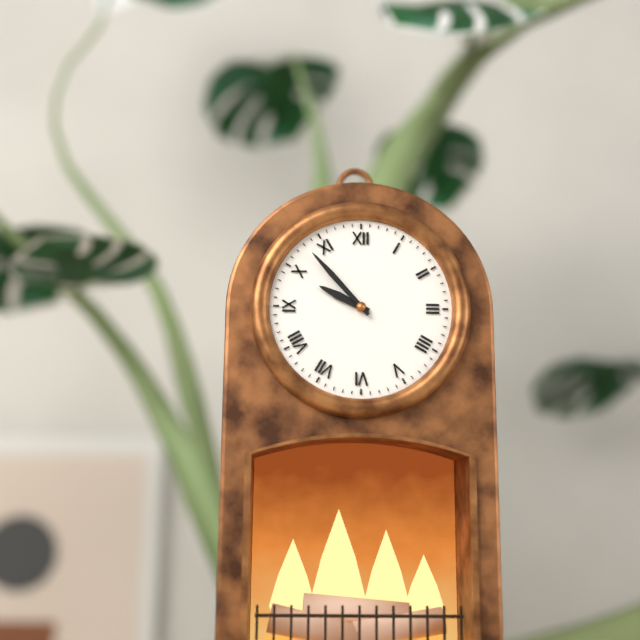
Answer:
**9:53**
